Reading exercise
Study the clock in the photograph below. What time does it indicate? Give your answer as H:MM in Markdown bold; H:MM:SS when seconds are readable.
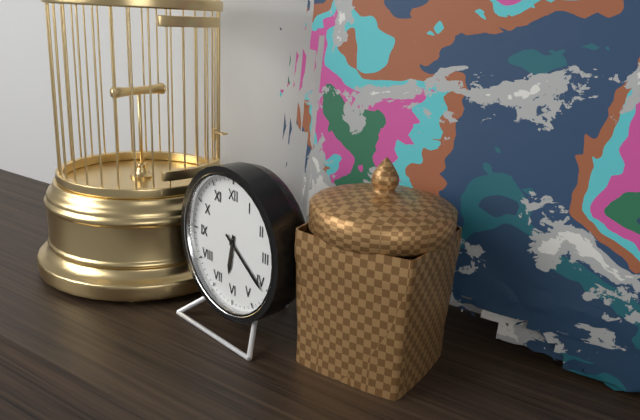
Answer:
**6:21**
